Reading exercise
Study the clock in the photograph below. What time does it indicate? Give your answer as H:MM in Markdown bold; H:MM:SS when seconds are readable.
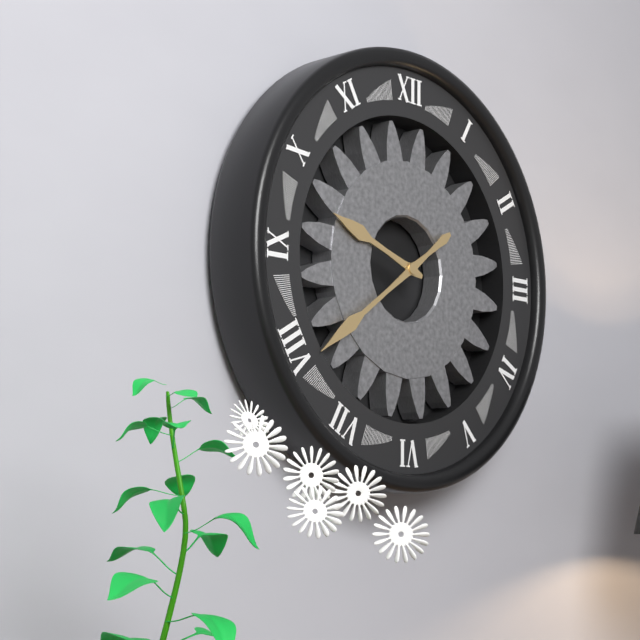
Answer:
**9:39**
